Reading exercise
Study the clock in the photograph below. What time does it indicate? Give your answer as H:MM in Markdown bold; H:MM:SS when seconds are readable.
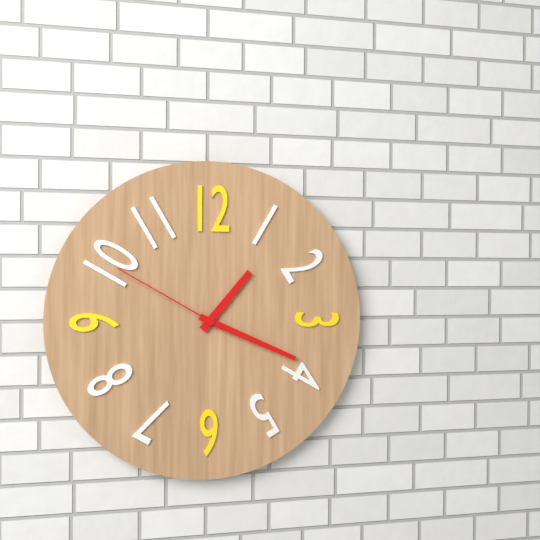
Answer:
**1:19:50**
